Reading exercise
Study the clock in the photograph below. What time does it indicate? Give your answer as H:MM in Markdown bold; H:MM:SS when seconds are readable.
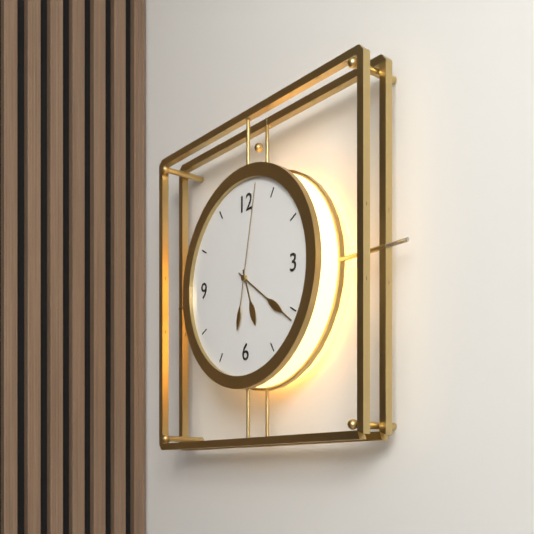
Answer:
**5:21:02**
